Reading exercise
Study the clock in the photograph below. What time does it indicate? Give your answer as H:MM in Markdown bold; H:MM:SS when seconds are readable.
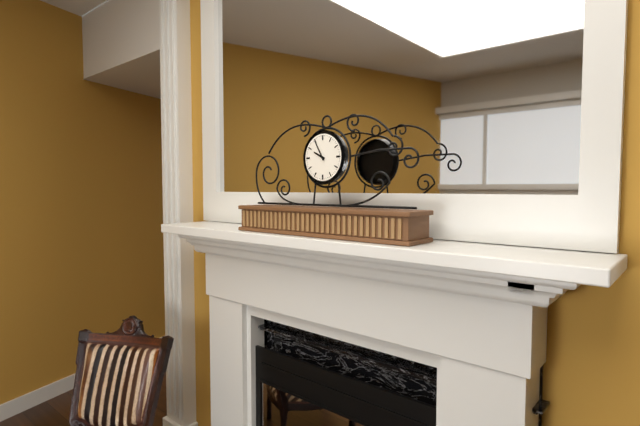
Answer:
**9:55**
